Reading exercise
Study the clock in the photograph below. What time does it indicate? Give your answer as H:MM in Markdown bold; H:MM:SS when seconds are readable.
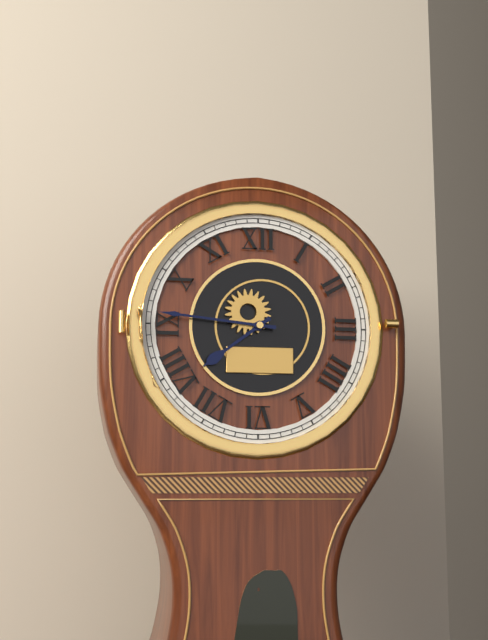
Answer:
**7:46**
